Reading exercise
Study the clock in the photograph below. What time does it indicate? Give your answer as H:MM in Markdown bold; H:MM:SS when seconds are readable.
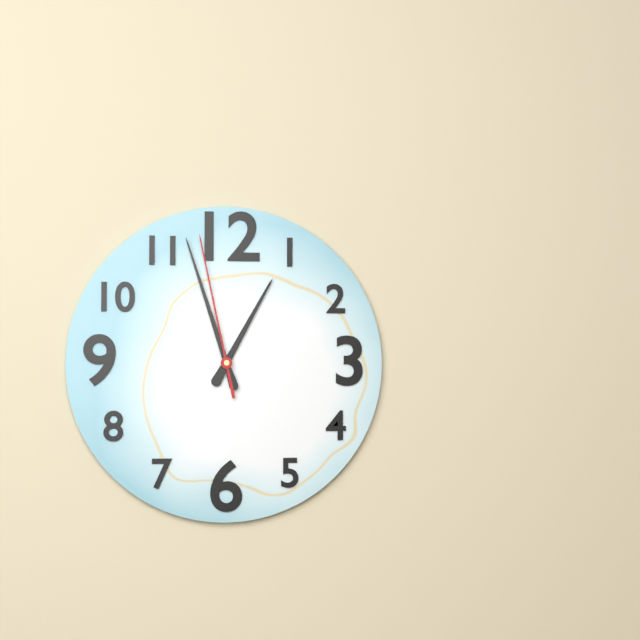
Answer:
**12:57:58**
